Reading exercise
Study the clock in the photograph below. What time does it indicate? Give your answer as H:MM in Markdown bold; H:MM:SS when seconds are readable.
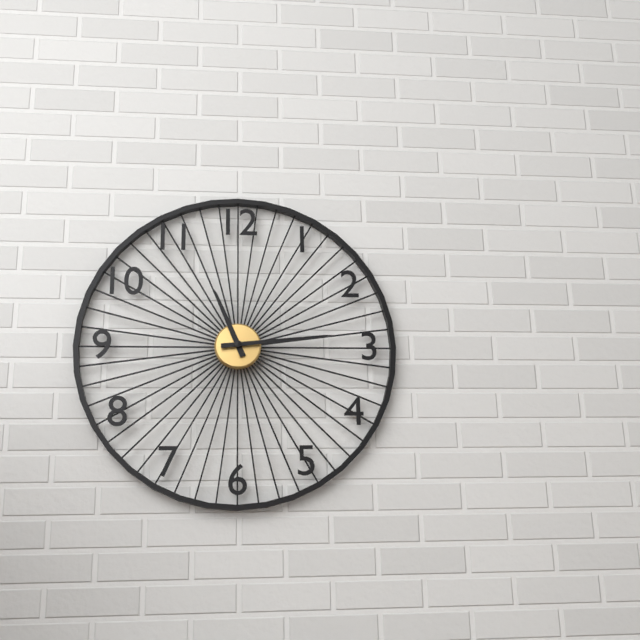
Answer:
**11:14**
